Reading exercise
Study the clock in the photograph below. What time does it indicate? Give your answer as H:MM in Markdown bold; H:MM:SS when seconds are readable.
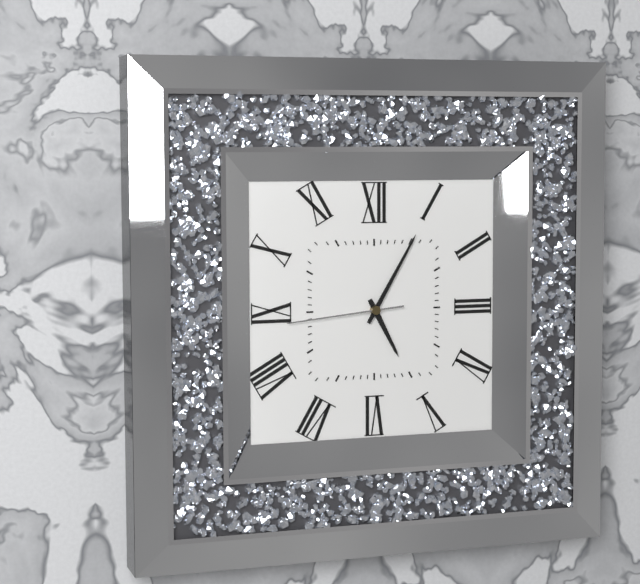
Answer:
**5:05:44**
